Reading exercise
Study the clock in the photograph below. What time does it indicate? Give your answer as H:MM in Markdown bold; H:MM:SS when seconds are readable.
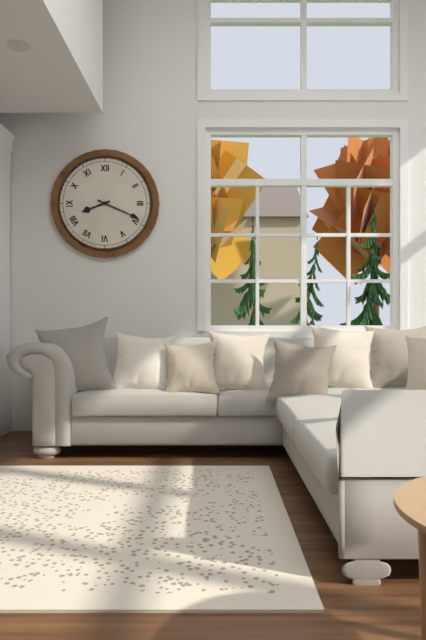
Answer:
**8:19**
